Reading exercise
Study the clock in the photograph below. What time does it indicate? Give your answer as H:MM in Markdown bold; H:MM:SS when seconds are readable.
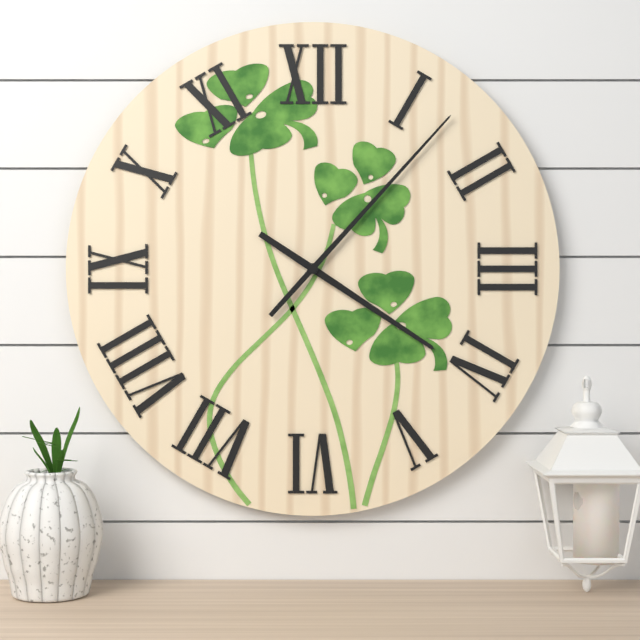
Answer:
**4:07**
